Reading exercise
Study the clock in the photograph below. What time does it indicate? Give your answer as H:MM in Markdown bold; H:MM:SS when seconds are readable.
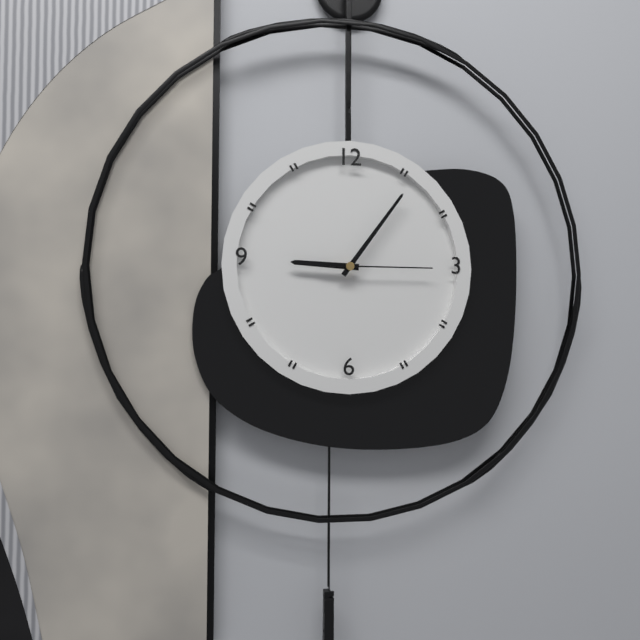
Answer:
**9:06:15**
